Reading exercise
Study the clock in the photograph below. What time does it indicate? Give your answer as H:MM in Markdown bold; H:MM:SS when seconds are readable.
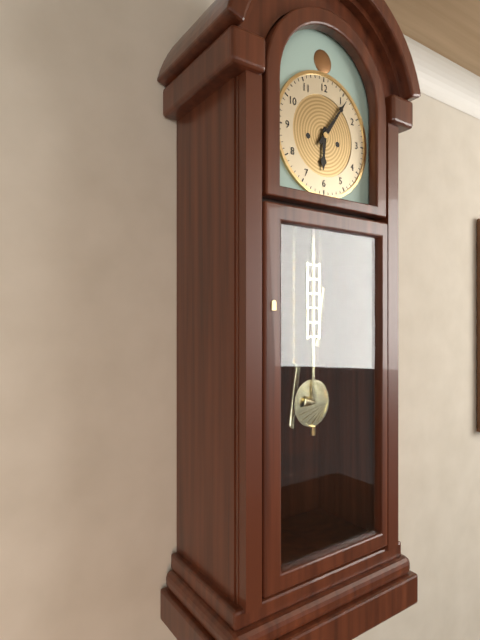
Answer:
**6:06**
